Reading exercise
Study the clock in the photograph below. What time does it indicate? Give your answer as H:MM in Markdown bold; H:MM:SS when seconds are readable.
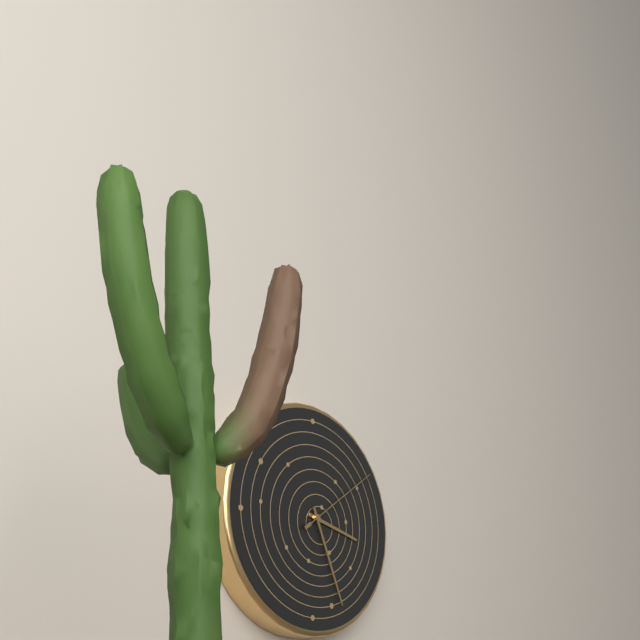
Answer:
**3:26:09**
